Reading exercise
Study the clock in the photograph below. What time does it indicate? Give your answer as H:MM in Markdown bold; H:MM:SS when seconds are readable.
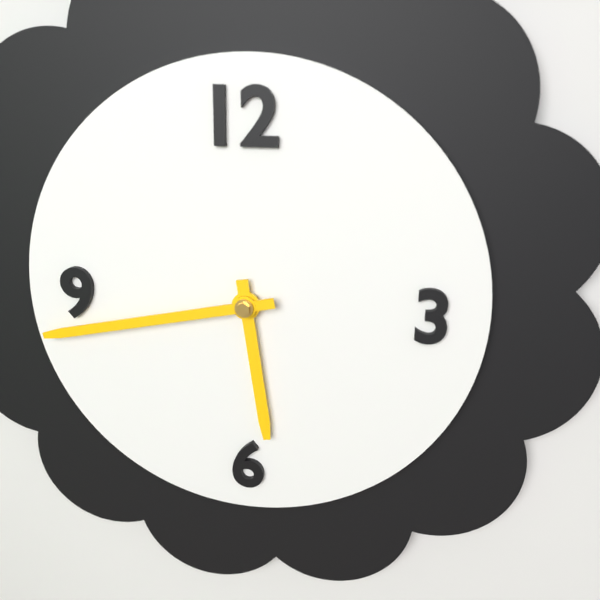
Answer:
**5:43**
